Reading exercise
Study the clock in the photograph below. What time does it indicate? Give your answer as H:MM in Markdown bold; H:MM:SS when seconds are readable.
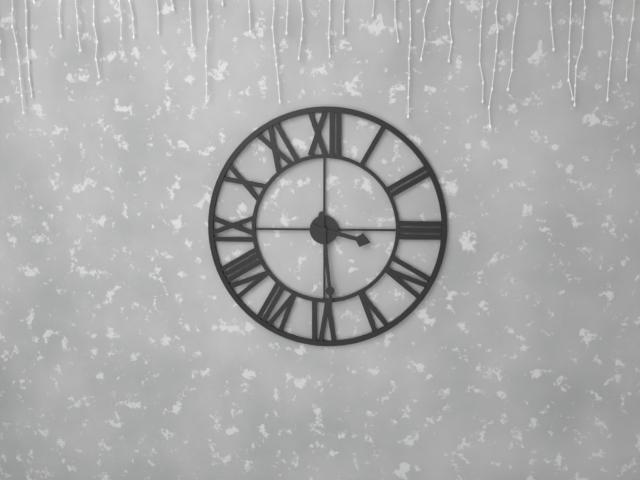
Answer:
**3:29**
